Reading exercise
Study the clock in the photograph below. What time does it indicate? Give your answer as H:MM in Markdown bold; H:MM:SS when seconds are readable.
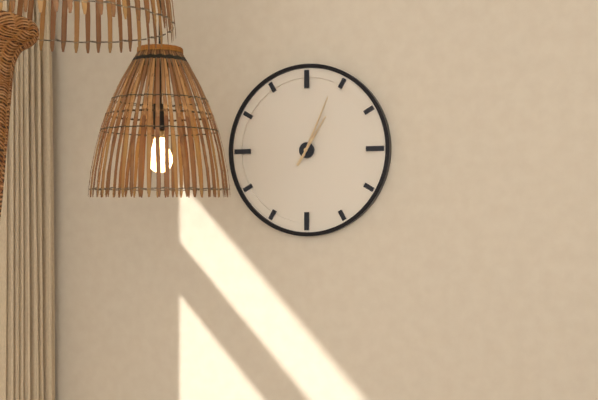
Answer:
**1:04**
